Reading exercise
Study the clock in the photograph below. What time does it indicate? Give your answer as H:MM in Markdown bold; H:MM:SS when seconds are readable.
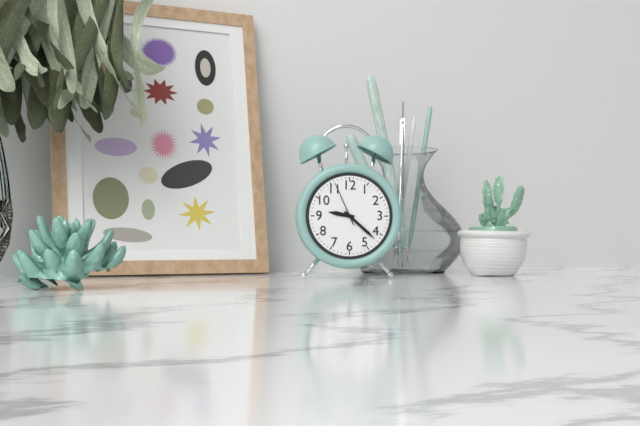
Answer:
**9:22**
